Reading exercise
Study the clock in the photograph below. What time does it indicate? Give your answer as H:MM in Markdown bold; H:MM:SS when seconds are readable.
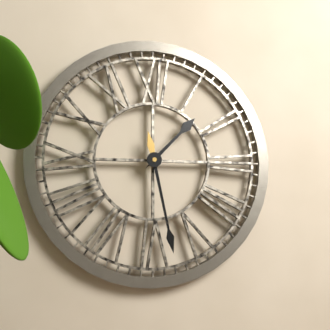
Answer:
**1:28**
